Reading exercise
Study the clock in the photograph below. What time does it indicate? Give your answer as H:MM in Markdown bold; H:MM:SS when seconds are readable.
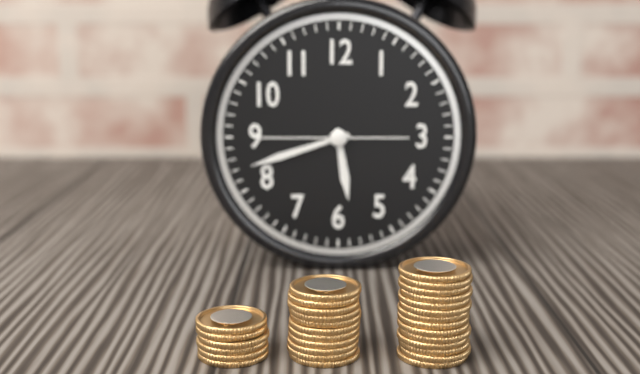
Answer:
**5:42:45**
